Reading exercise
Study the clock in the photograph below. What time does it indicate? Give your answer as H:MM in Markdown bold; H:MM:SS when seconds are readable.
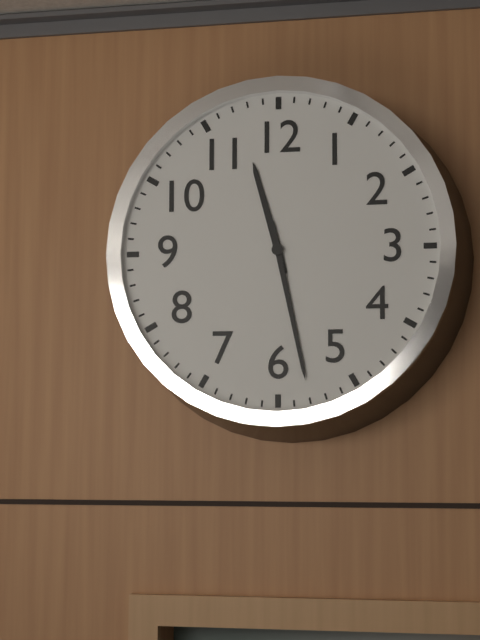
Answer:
**11:28**
